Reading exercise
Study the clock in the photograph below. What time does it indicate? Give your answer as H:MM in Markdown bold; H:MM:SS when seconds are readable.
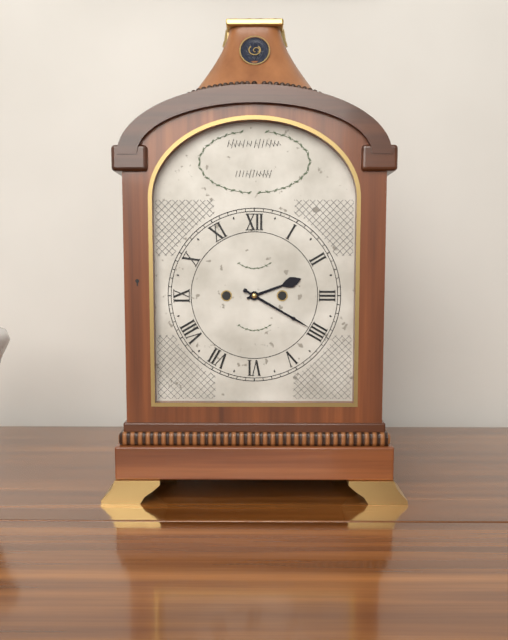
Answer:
**2:20**
